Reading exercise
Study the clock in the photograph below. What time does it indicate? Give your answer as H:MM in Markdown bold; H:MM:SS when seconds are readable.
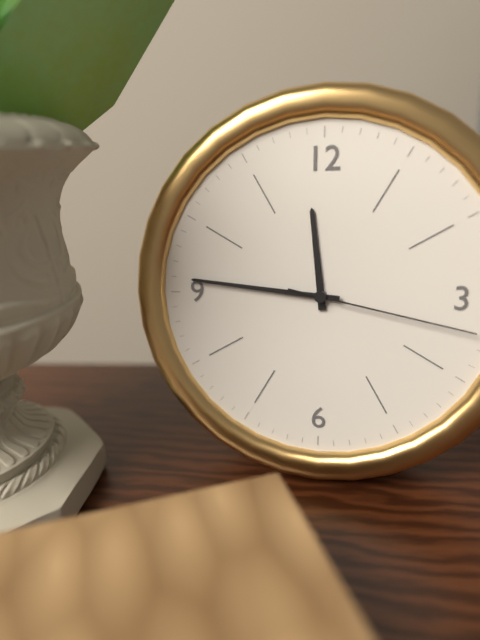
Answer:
**11:46:17**
